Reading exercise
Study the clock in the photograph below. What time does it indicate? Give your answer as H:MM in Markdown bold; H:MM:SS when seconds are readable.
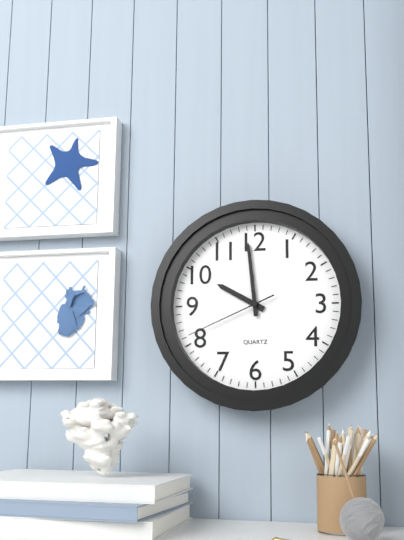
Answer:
**9:59:41**
